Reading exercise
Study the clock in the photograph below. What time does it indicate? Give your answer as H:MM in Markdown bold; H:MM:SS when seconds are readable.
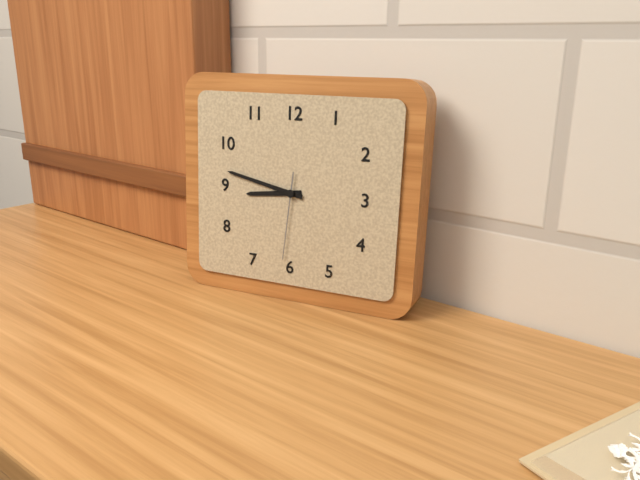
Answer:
**8:47:31**
